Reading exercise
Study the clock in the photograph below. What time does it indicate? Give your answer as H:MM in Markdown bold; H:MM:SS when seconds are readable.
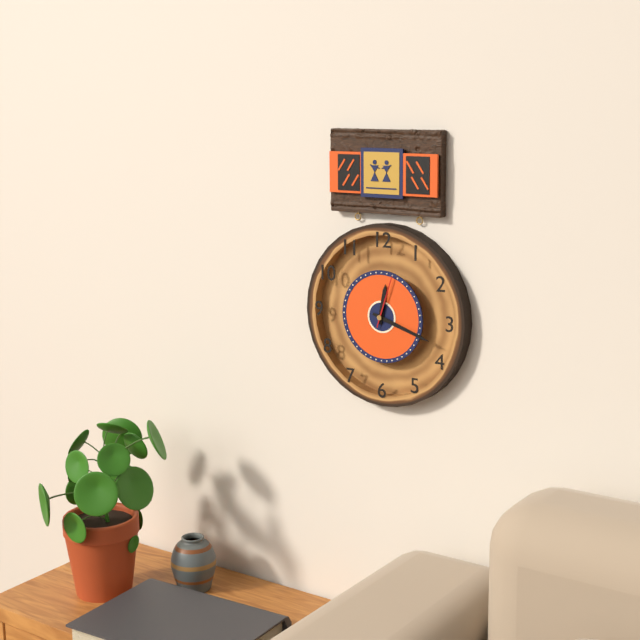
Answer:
**12:18:03**
